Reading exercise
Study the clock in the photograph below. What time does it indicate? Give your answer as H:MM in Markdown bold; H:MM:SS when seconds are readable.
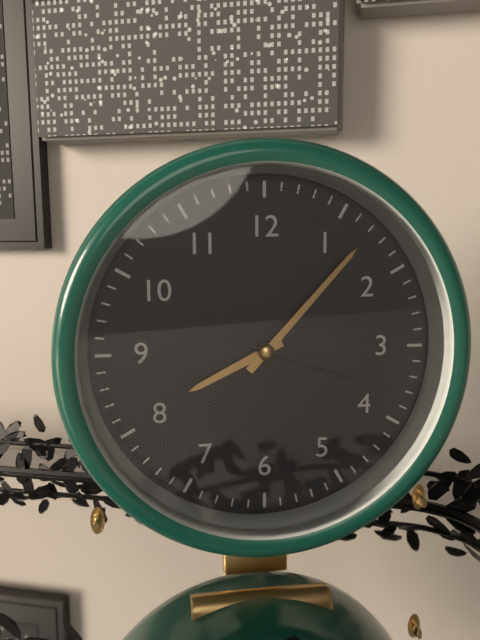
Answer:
**8:07:18**
